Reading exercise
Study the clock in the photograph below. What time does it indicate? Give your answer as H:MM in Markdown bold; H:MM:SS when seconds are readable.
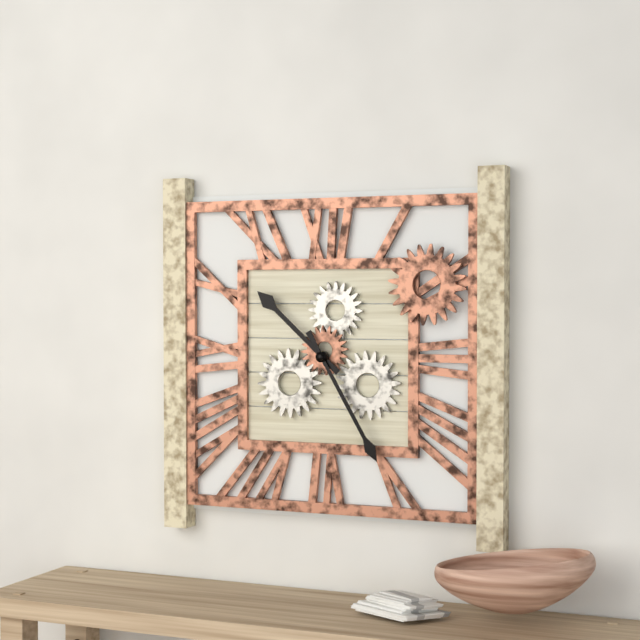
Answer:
**10:25**
